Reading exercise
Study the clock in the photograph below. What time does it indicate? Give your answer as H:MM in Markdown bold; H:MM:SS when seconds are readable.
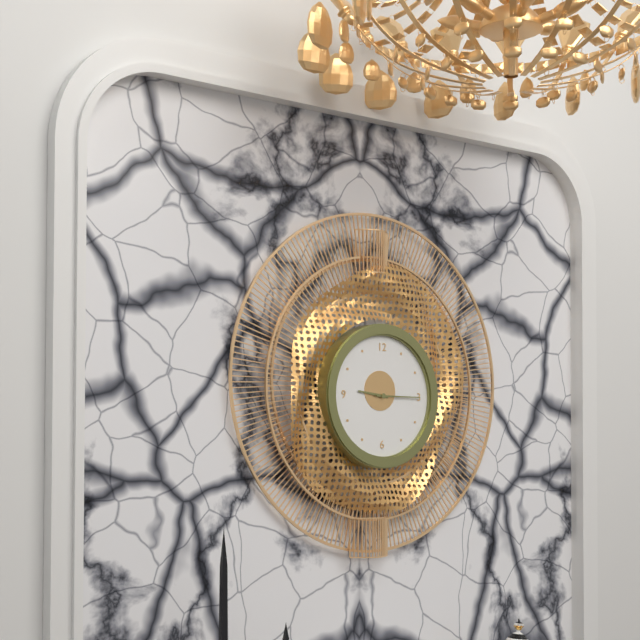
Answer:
**9:15**
